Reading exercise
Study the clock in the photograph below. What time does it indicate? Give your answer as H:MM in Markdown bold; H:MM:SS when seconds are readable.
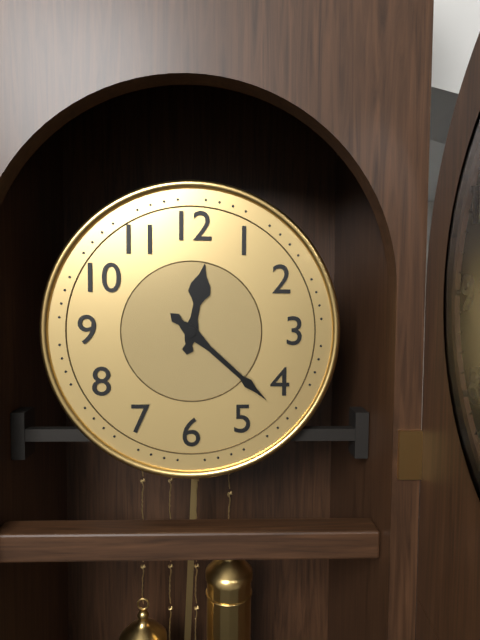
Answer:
**12:22**
